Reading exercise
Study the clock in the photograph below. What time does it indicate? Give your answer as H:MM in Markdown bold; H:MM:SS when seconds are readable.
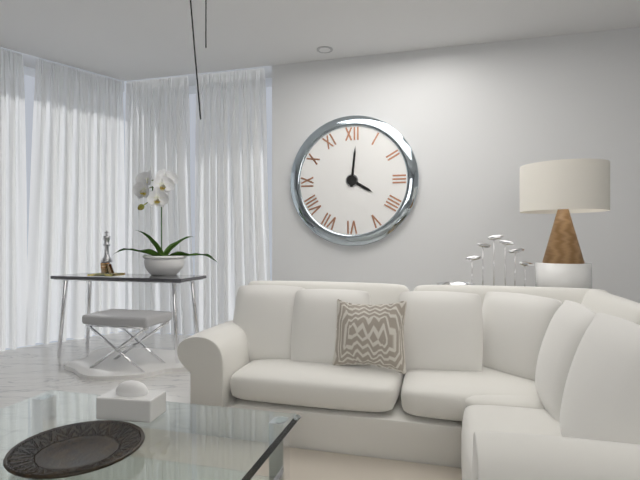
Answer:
**4:01**
